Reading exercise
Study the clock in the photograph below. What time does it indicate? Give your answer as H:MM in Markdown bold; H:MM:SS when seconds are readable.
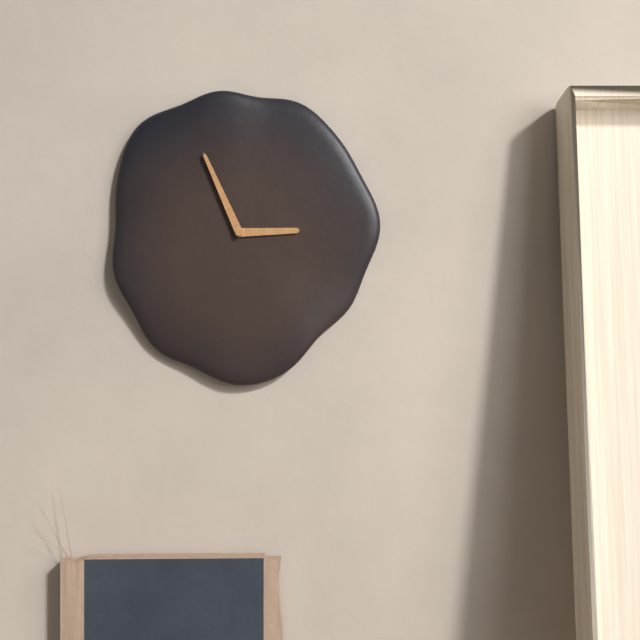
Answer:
**2:56**
